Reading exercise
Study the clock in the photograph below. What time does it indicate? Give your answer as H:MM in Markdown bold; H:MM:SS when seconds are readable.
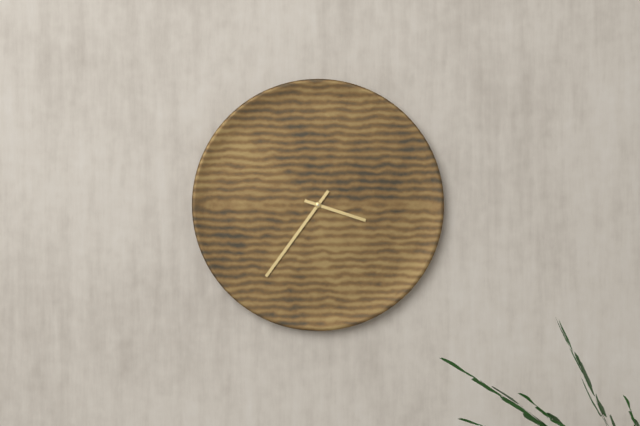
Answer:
**3:36**
